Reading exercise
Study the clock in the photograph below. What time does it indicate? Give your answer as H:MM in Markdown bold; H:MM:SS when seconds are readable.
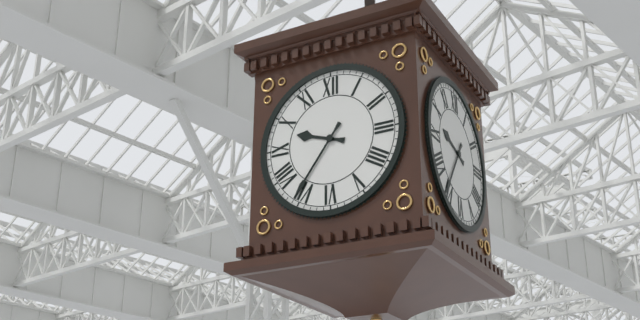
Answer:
**9:36**
